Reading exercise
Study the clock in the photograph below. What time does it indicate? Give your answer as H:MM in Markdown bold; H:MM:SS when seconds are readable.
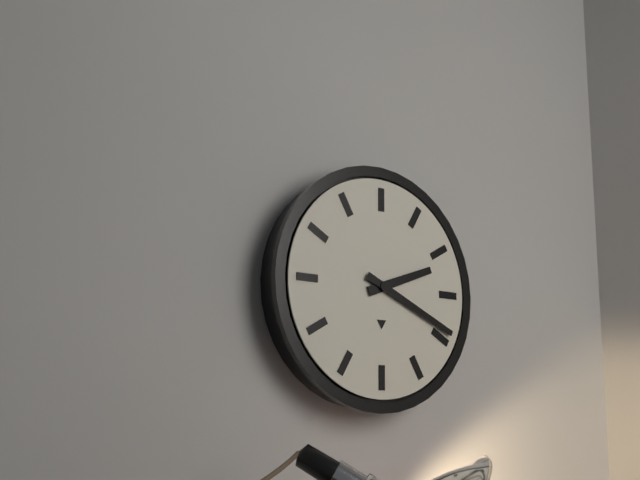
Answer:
**2:19**
